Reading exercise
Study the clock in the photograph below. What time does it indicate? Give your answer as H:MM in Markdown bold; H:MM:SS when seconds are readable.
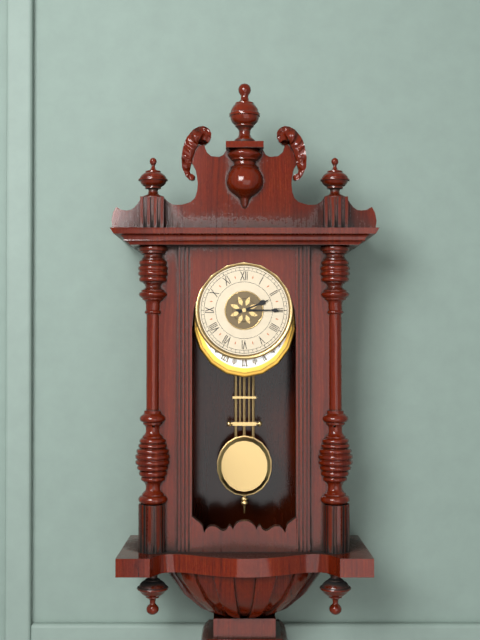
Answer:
**2:15**
